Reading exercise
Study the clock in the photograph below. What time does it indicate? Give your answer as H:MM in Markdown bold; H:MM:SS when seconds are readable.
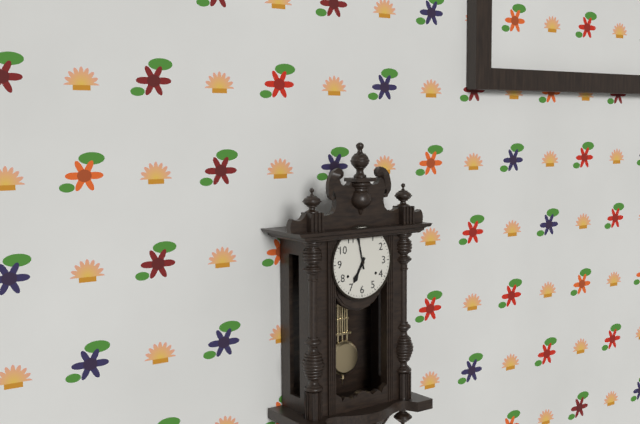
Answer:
**6:58**
